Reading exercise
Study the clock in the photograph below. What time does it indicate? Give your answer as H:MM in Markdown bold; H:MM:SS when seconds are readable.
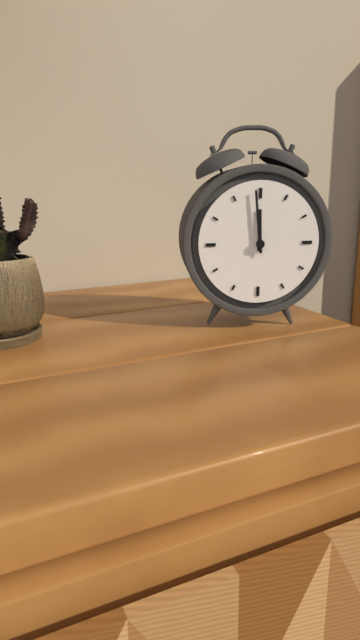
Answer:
**11:59**
